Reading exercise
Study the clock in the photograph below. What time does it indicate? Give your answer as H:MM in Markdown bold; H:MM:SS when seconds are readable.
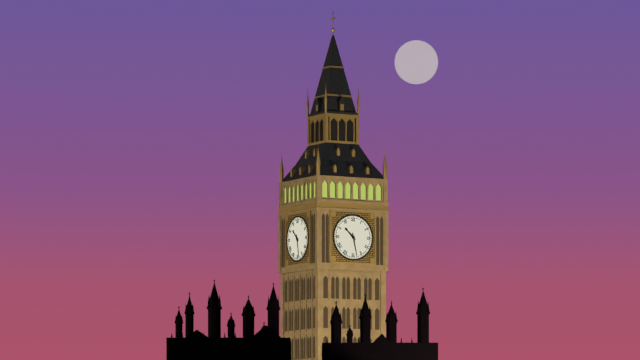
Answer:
**10:28**
